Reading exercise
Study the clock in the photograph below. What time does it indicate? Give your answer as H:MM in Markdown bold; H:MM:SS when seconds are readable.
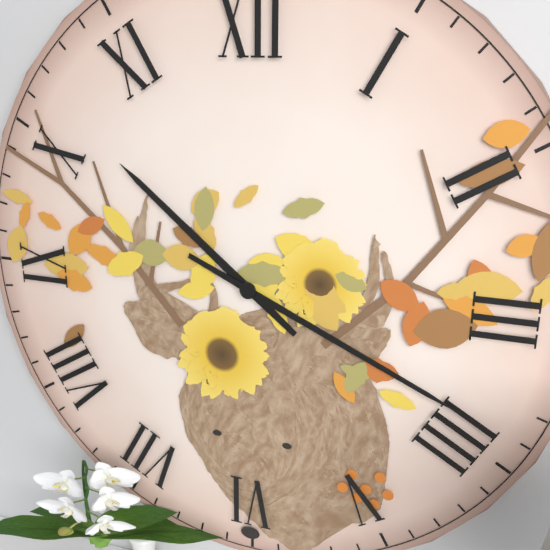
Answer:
**10:19**
